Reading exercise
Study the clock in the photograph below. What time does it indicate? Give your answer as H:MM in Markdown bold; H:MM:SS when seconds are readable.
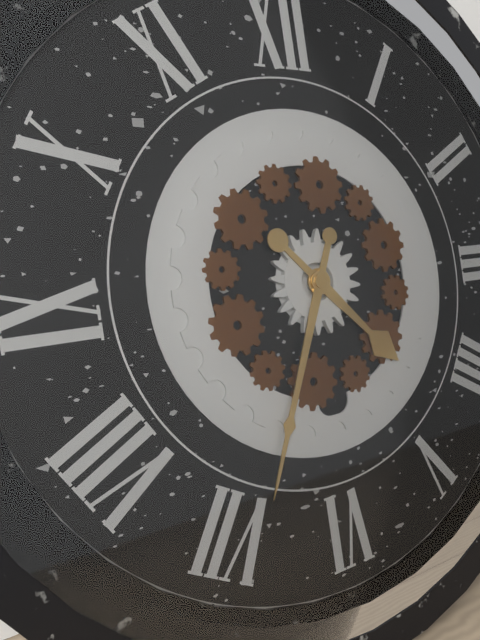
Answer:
**4:34**
